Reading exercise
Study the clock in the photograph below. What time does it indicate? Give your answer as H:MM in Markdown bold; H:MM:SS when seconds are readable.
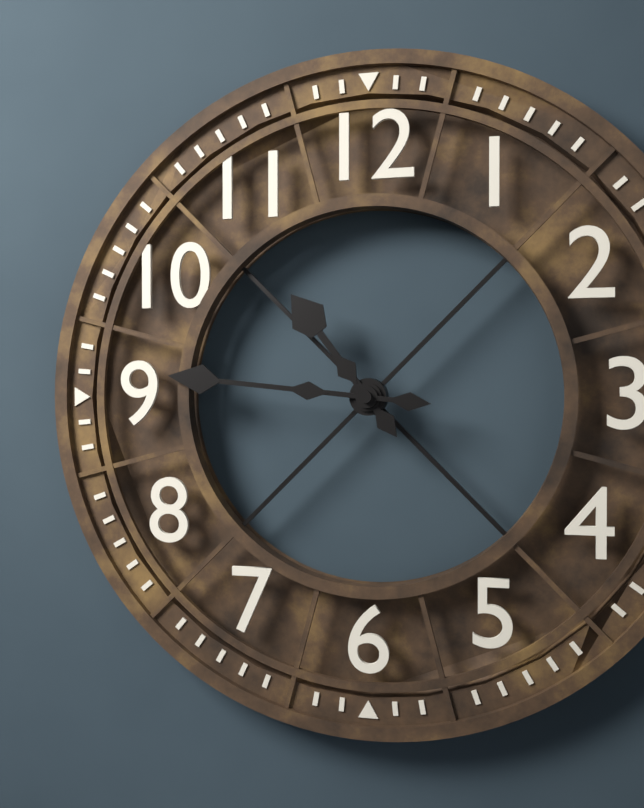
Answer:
**10:46**
